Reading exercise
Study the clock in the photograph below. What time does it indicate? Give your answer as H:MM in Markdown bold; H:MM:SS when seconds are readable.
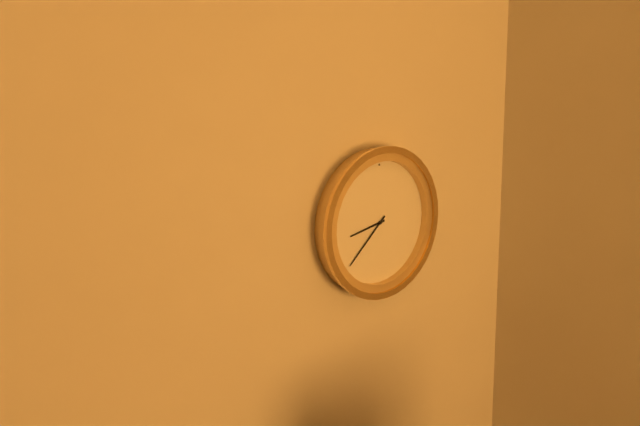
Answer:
**8:38**
